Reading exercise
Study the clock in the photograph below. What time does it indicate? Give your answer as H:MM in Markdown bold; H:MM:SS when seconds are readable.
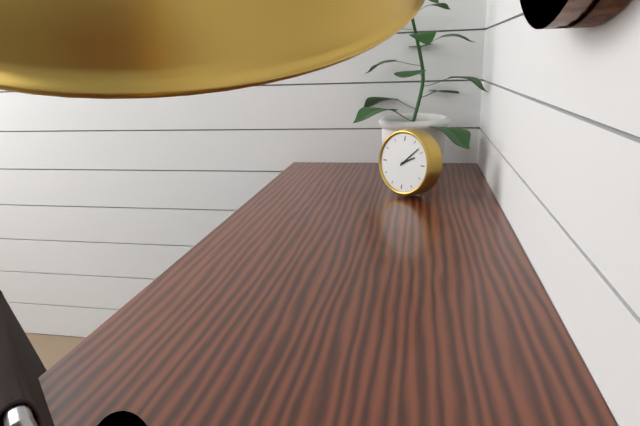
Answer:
**2:08**
